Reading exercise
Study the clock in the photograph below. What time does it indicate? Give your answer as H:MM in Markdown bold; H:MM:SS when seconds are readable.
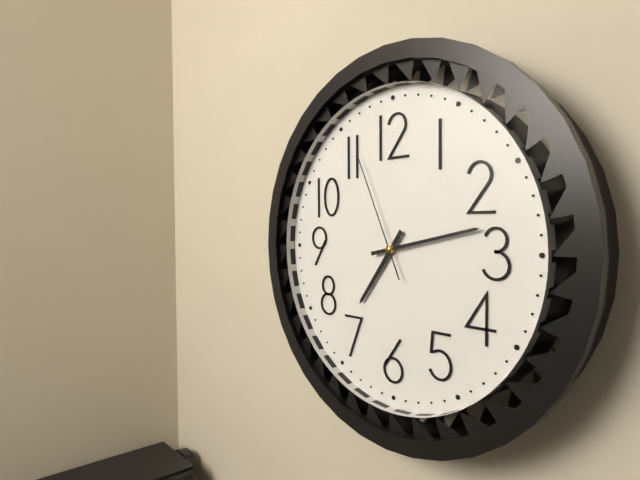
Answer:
**7:13:56**
